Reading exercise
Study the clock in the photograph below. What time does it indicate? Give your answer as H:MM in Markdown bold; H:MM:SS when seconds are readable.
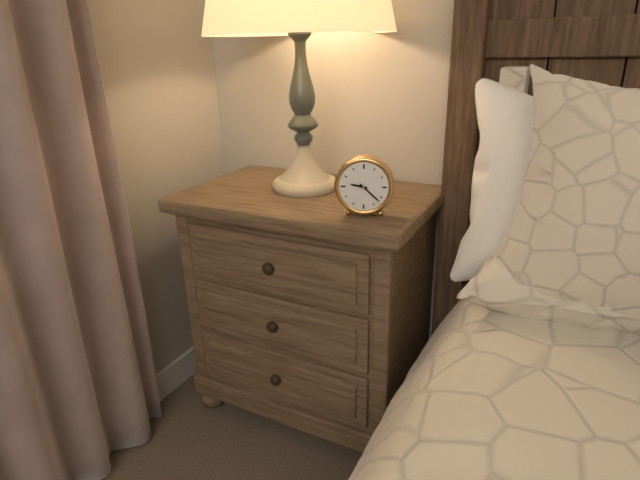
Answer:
**9:22**
